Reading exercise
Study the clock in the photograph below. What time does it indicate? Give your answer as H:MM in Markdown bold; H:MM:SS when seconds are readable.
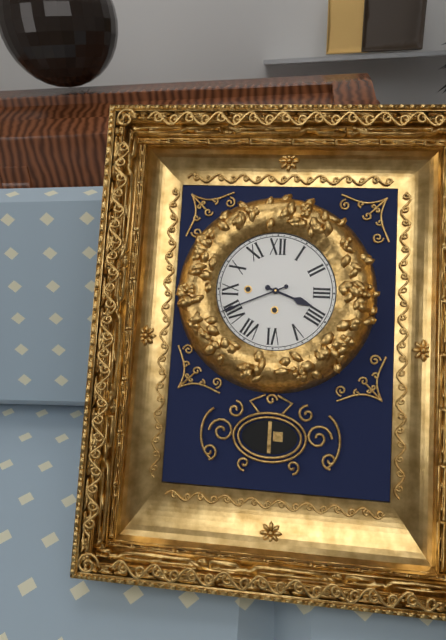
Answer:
**3:41**
